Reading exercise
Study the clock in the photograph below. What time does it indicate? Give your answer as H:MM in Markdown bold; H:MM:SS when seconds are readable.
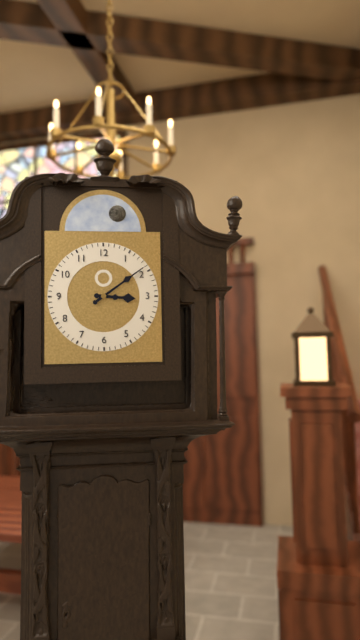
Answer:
**3:09**
